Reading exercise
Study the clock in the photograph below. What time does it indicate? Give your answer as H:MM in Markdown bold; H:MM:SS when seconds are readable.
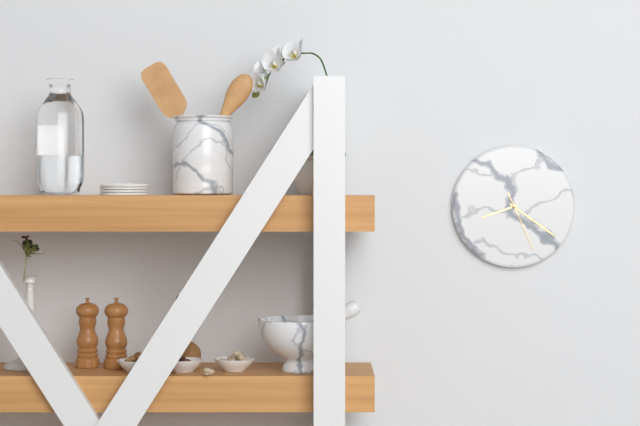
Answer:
**8:21:26**
